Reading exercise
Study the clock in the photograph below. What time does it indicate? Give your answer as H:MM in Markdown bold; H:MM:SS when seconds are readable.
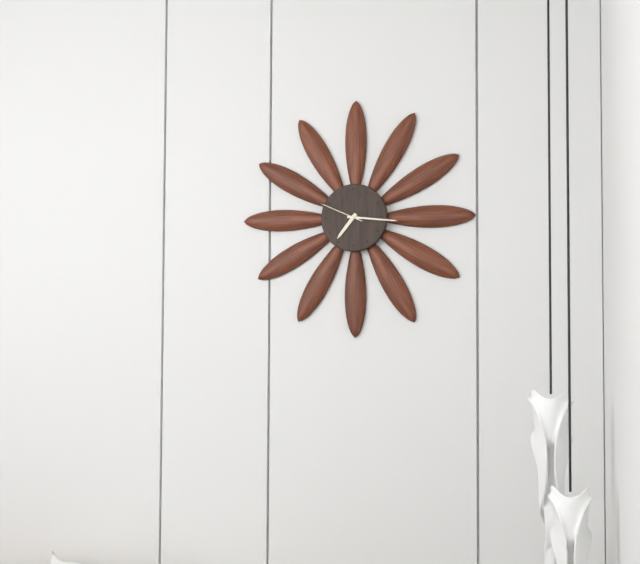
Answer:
**7:16:49**
